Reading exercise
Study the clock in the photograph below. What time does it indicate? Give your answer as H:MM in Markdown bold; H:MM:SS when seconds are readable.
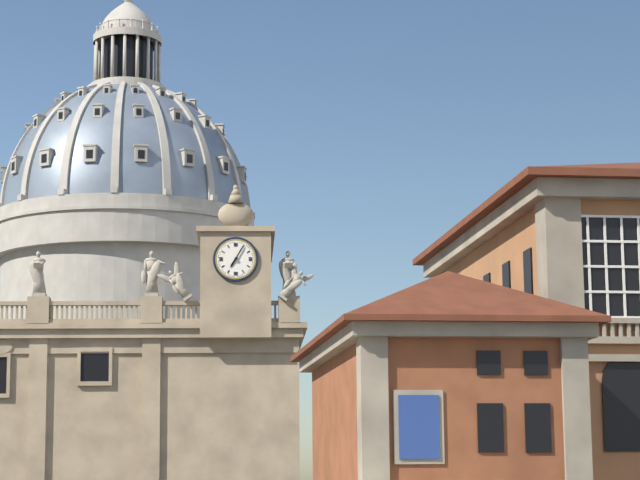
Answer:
**7:05**
